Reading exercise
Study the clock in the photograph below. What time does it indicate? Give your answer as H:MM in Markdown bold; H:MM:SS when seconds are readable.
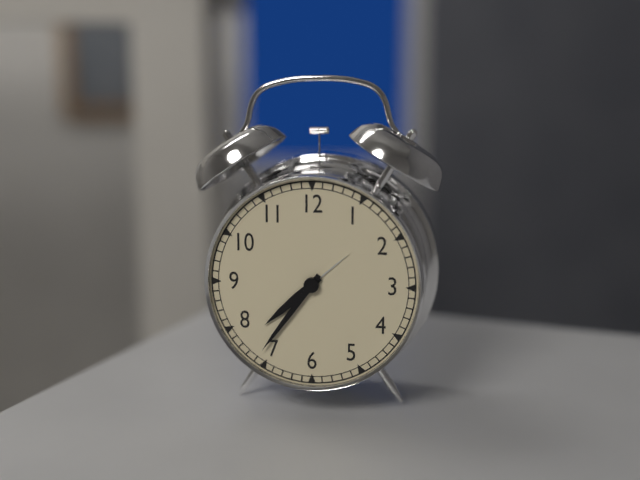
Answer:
**7:36**
